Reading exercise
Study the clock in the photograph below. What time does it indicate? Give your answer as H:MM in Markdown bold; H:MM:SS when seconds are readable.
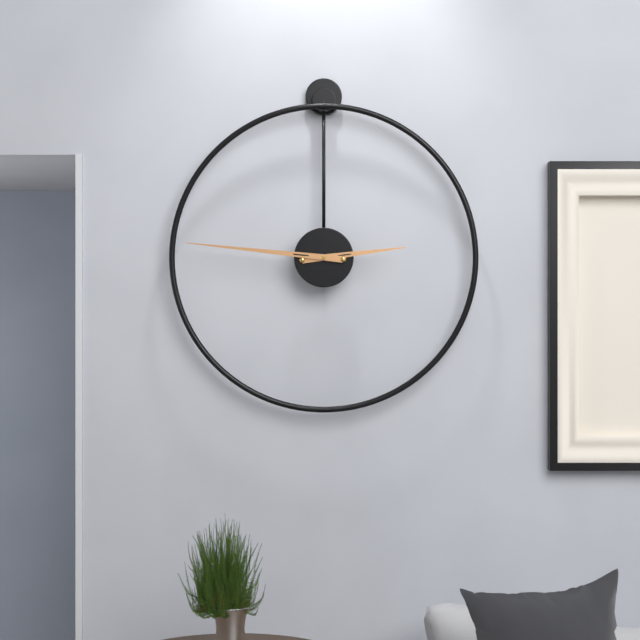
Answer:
**2:46**
